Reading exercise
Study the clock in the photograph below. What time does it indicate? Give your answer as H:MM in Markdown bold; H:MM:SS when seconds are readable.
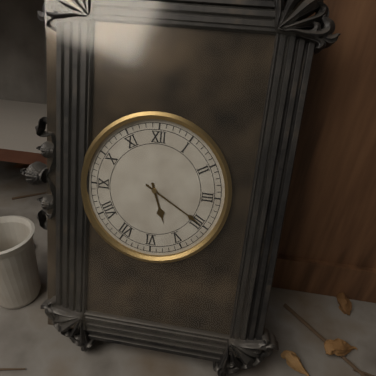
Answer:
**5:20**
